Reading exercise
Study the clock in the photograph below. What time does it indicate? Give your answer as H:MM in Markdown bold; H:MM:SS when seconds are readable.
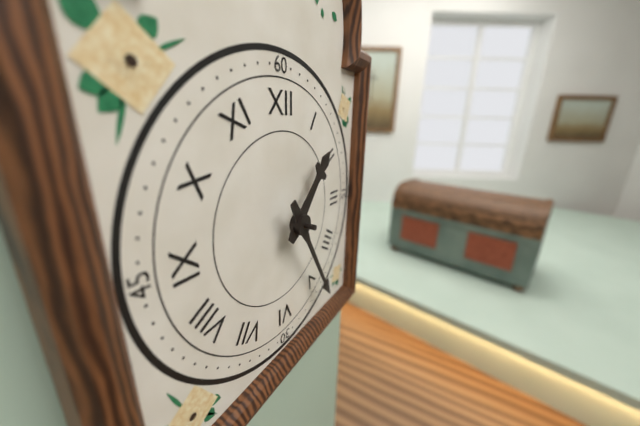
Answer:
**1:25**
